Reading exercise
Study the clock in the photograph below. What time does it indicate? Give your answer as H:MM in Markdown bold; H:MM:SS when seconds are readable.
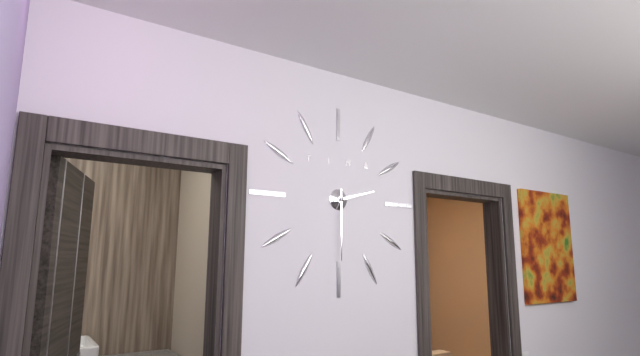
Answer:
**2:30**
